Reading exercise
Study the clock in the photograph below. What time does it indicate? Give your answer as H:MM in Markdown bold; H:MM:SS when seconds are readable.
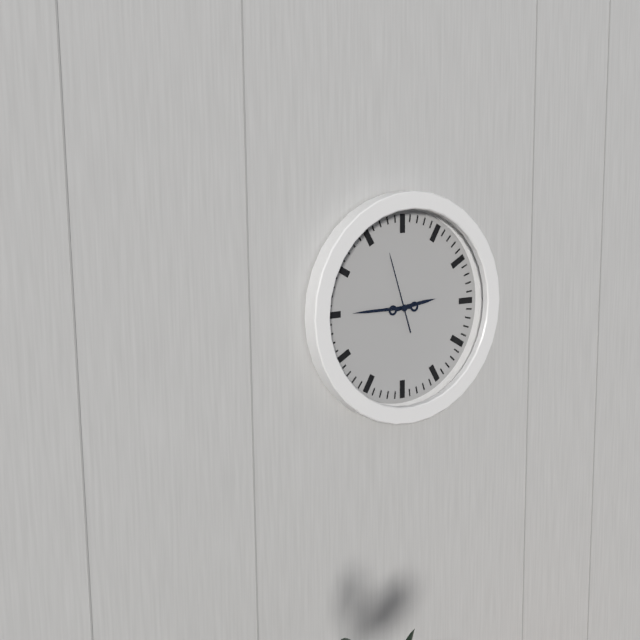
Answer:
**2:45:57**
